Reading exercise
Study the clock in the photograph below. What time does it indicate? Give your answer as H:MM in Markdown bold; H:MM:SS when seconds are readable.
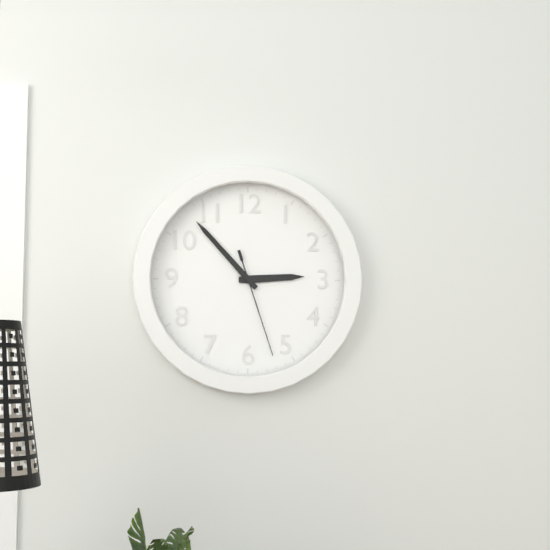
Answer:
**2:53:27**
